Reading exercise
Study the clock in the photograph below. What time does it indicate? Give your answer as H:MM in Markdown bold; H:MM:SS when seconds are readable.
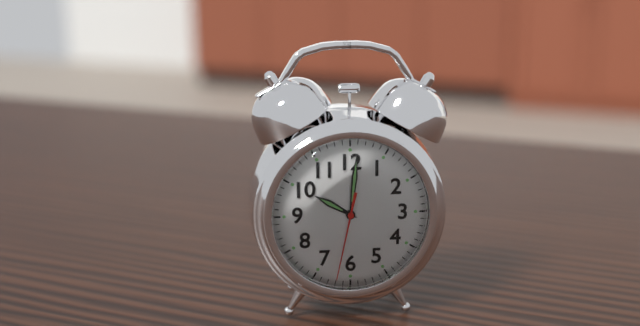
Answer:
**10:01:32**
